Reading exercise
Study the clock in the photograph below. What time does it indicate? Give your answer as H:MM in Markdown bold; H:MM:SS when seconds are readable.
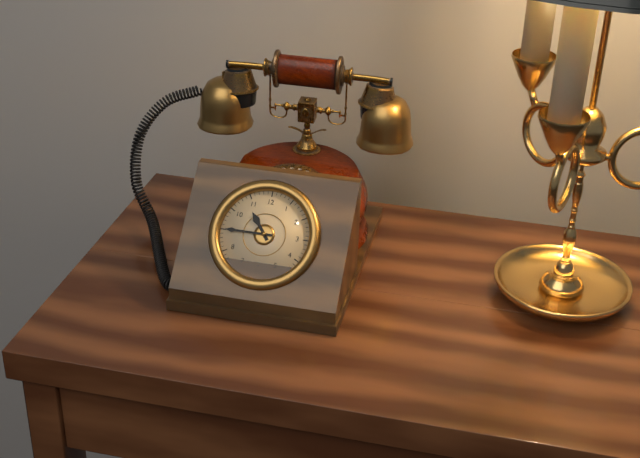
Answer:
**10:45**
